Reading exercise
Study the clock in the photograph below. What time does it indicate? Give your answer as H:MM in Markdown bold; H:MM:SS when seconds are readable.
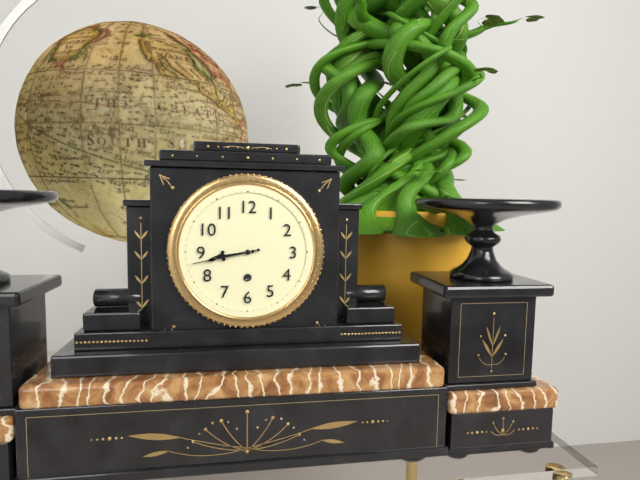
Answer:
**8:43**
